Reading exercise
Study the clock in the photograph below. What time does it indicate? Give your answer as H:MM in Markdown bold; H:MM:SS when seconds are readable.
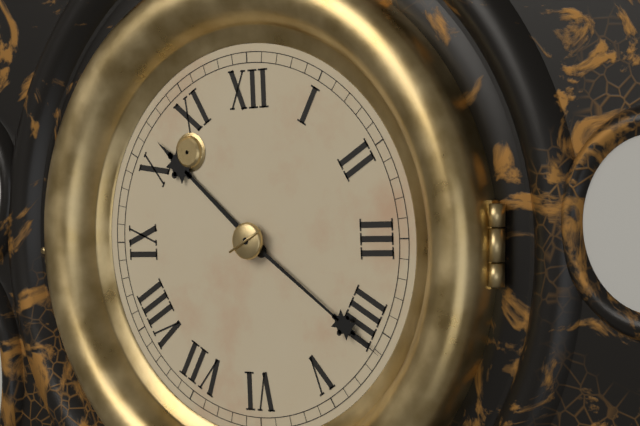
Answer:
**10:21**
